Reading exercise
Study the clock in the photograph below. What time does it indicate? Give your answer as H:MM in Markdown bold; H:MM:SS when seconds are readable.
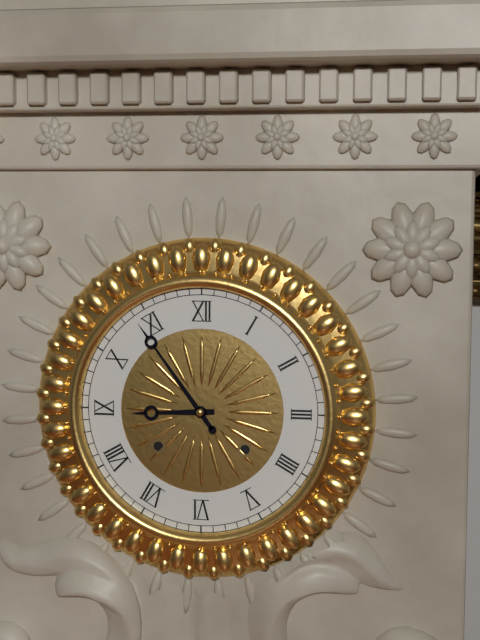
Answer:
**8:54**
